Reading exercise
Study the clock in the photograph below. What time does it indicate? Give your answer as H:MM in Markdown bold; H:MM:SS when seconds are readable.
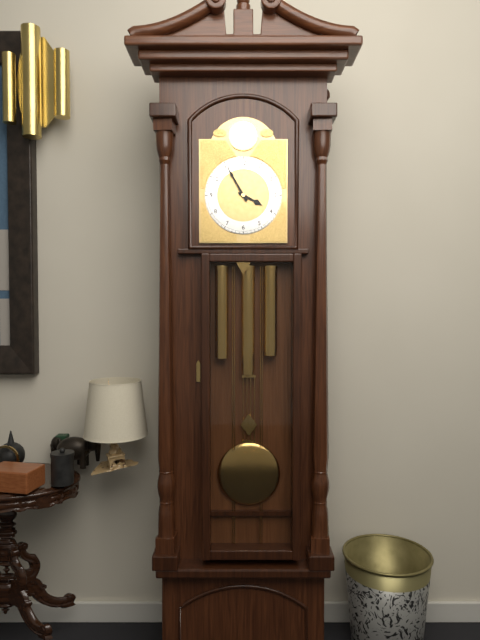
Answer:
**3:55**
